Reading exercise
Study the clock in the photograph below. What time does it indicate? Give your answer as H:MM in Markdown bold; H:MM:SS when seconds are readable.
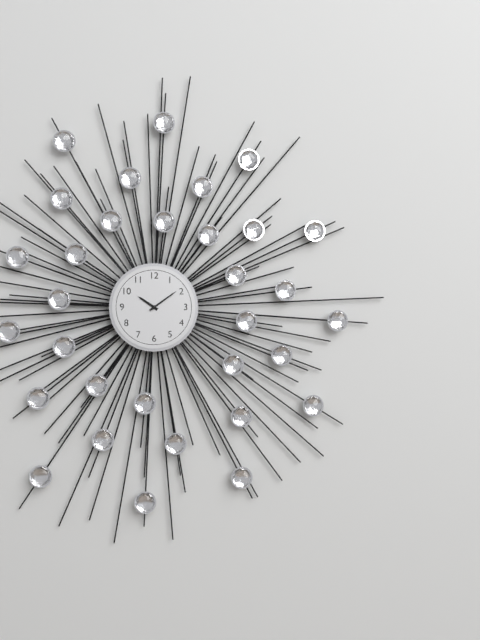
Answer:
**10:09**
